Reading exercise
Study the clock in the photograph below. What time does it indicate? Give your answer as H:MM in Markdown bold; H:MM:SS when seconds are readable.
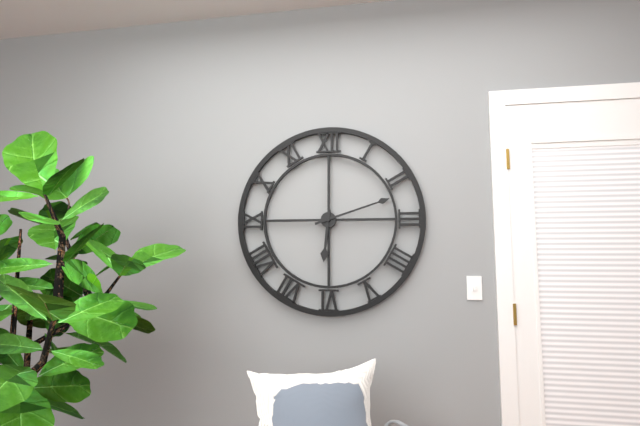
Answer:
**6:12**
